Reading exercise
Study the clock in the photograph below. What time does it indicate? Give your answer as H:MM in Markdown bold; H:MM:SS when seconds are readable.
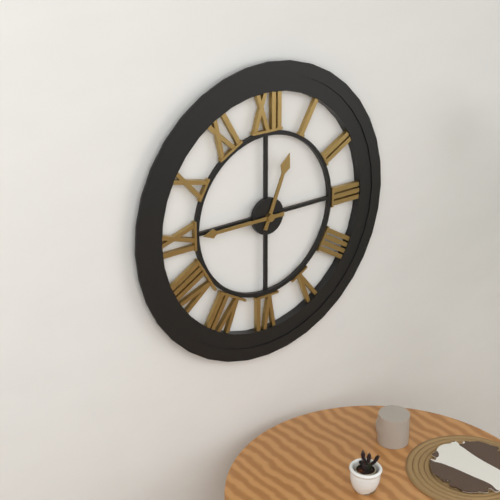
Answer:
**12:45**
